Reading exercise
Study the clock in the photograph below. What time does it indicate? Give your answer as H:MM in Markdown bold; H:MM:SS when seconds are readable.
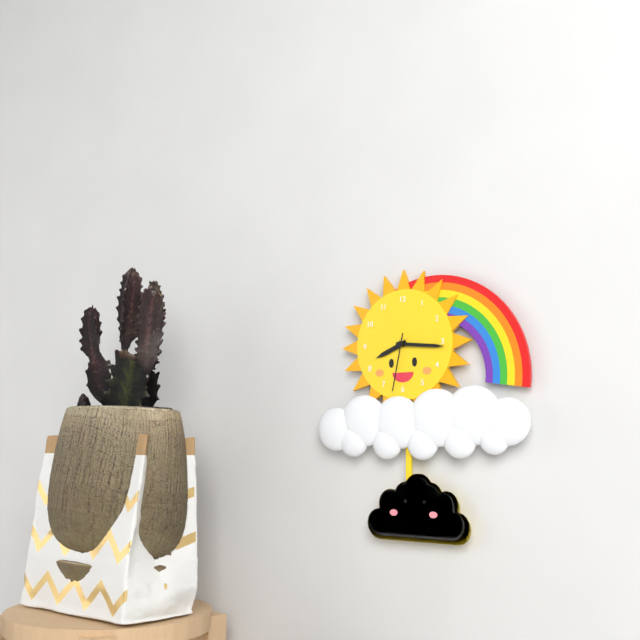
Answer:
**8:16:32**
